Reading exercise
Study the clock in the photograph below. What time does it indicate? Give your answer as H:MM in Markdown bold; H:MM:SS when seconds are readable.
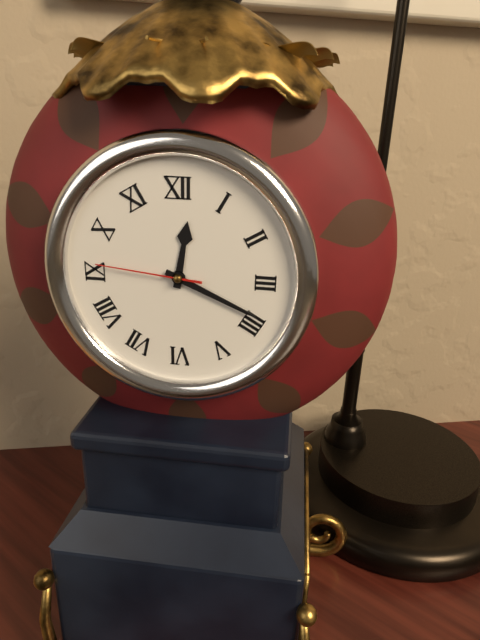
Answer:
**12:19:46**
